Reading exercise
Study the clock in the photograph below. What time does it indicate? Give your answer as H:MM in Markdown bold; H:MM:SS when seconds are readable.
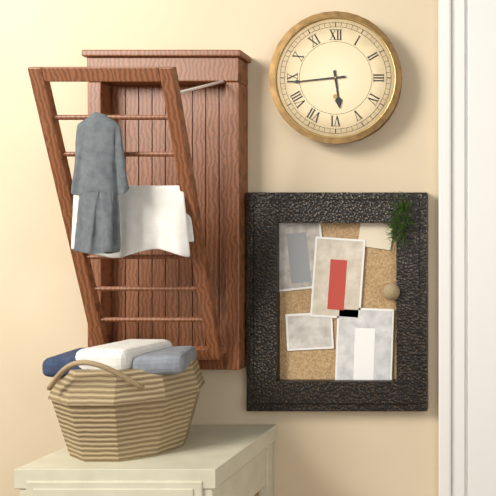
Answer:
**5:44**
